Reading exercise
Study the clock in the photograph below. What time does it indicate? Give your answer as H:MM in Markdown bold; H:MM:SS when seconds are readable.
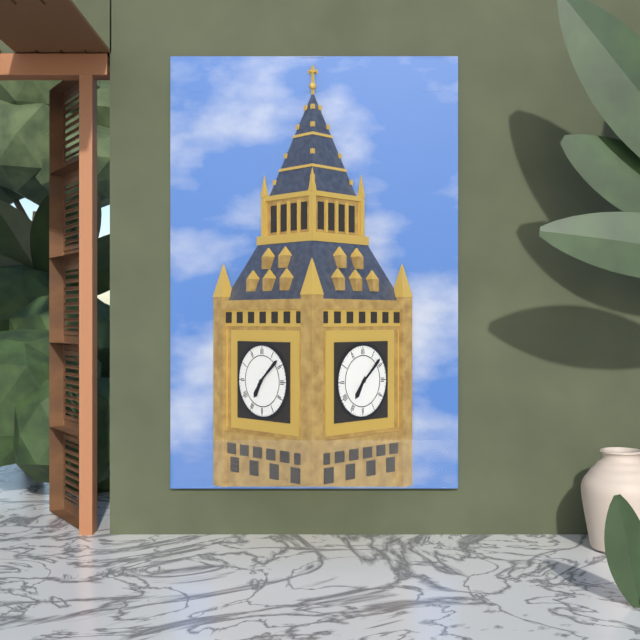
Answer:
**7:08**
